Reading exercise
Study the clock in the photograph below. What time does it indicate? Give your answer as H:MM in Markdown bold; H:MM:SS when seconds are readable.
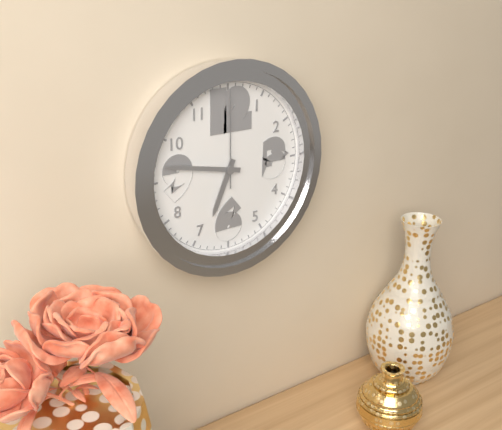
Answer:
**6:47:00**
